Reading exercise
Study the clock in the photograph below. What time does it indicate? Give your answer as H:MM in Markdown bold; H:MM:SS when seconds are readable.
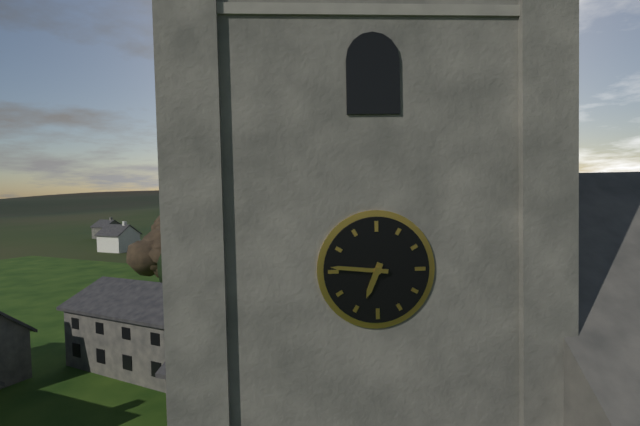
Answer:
**6:46**
